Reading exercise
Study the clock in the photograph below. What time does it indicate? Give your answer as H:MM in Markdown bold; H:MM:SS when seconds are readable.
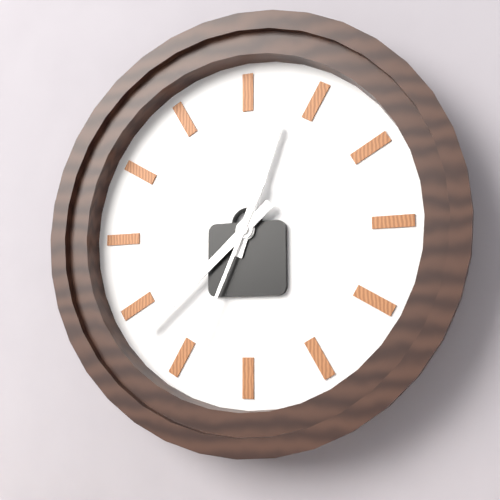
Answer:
**12:38:34**
